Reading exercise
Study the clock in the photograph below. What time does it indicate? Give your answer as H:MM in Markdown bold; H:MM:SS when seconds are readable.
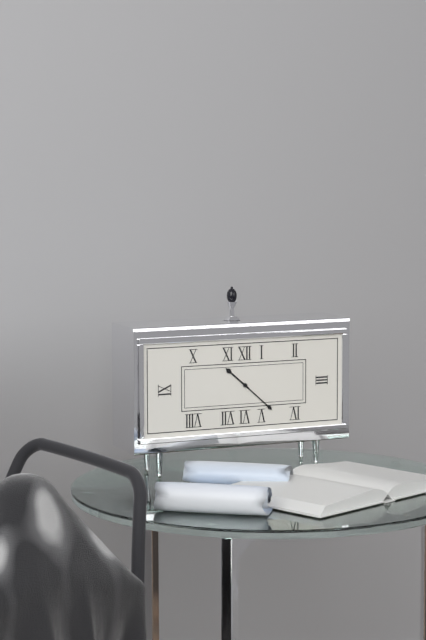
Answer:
**10:22**
